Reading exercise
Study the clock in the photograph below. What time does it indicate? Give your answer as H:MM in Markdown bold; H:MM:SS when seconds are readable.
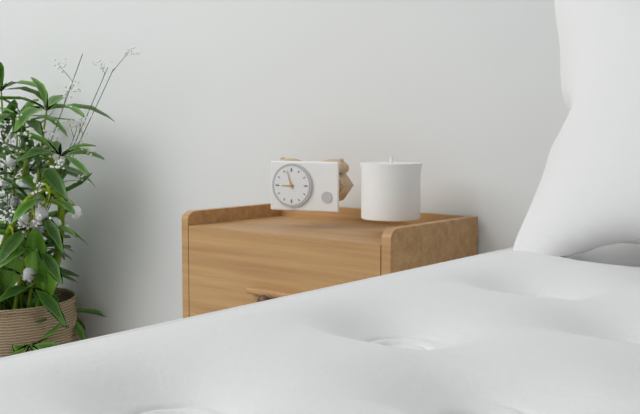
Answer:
**8:57**
